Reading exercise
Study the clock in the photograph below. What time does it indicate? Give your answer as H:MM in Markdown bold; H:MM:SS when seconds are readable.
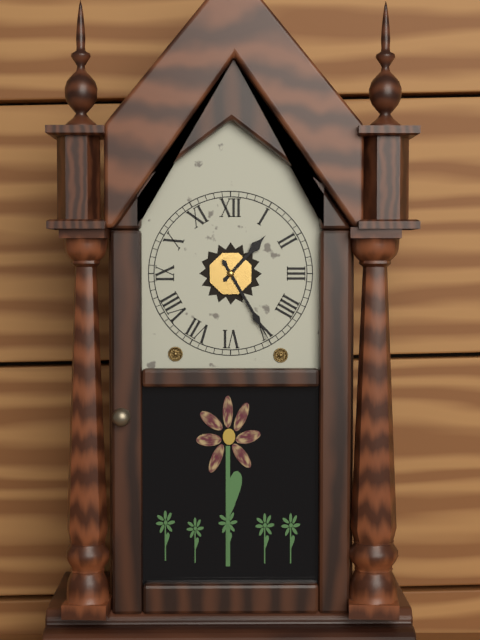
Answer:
**1:25**
